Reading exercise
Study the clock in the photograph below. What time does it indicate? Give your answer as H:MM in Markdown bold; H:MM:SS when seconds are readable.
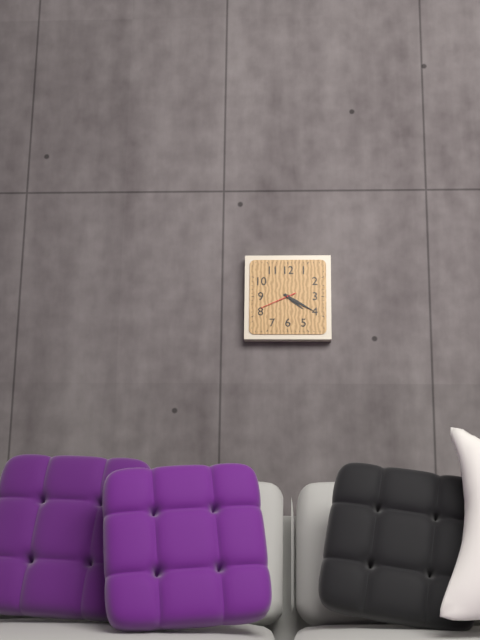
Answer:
**4:20**
